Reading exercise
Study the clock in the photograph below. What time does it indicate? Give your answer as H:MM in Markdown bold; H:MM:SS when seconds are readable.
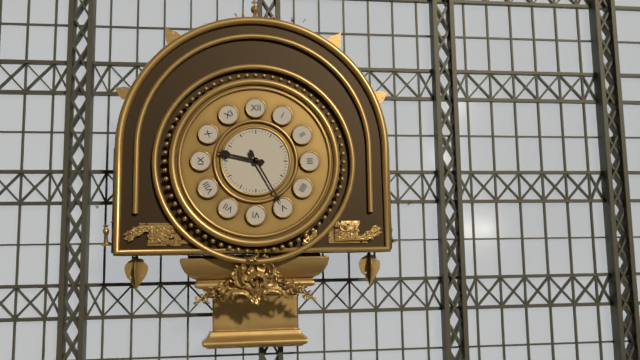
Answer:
**9:25**
